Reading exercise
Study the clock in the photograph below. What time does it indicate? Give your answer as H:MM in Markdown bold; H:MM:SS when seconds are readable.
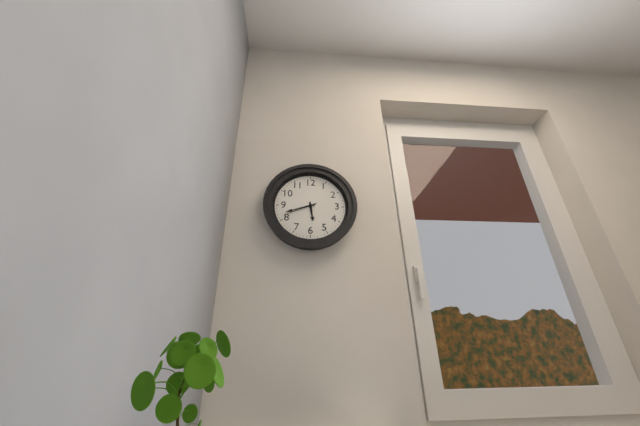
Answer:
**5:42**
